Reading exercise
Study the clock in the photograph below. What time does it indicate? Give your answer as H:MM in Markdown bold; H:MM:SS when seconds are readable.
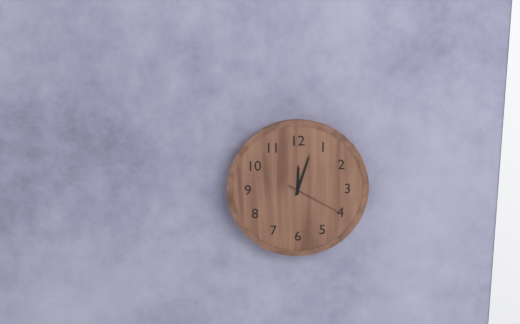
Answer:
**12:03:20**
